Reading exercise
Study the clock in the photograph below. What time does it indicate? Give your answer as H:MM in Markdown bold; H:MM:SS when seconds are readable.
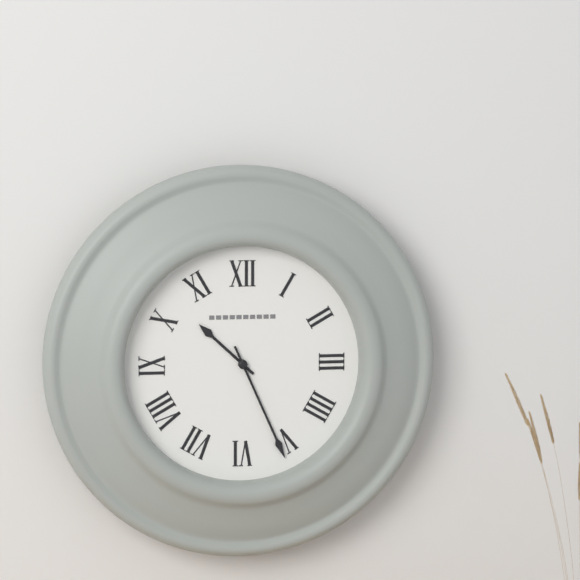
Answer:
**10:26**
